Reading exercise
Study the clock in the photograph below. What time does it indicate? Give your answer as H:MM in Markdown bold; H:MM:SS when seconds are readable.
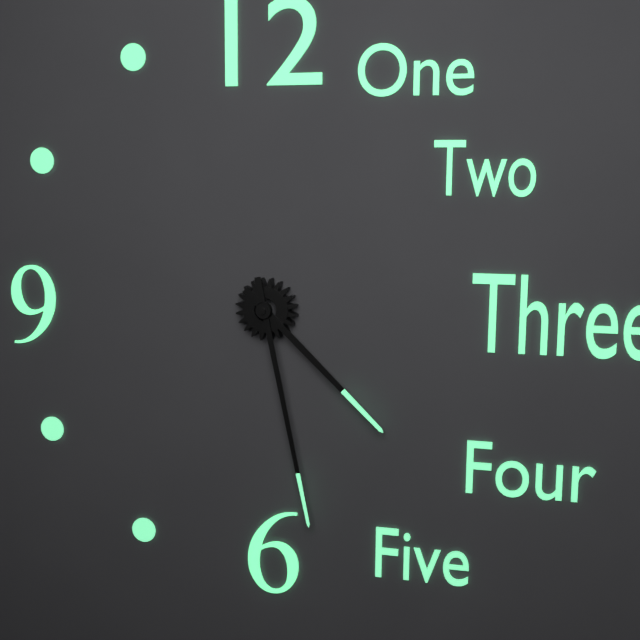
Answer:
**4:28**
